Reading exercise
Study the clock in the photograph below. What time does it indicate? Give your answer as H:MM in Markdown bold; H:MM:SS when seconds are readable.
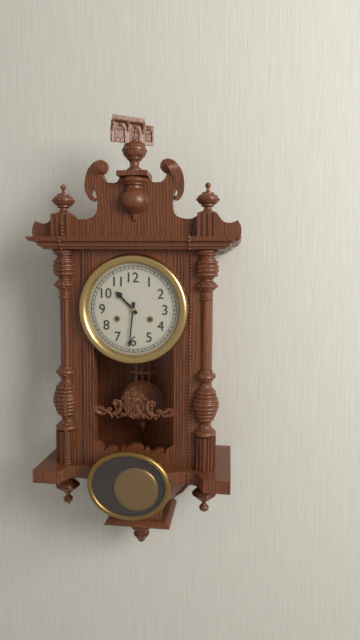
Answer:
**10:31**
